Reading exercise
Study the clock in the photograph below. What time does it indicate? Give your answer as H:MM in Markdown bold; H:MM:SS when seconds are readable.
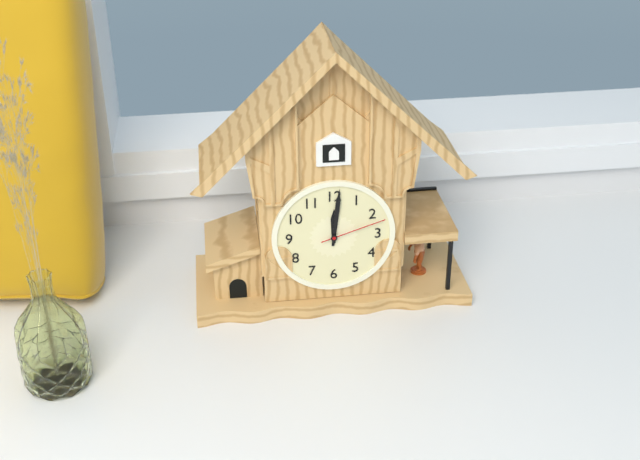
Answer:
**12:01:12**
